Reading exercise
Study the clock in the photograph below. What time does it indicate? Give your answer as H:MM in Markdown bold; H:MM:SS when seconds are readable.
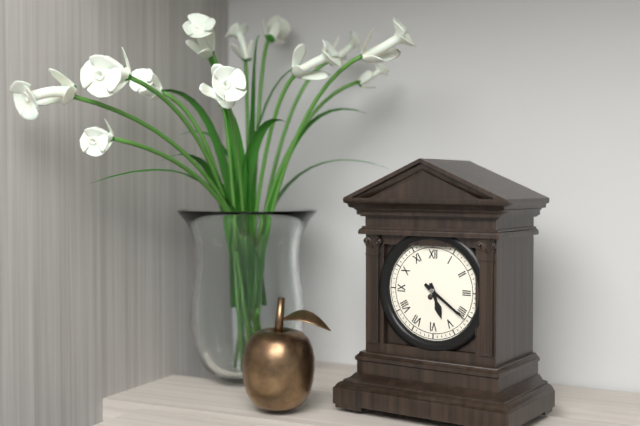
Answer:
**5:21**
